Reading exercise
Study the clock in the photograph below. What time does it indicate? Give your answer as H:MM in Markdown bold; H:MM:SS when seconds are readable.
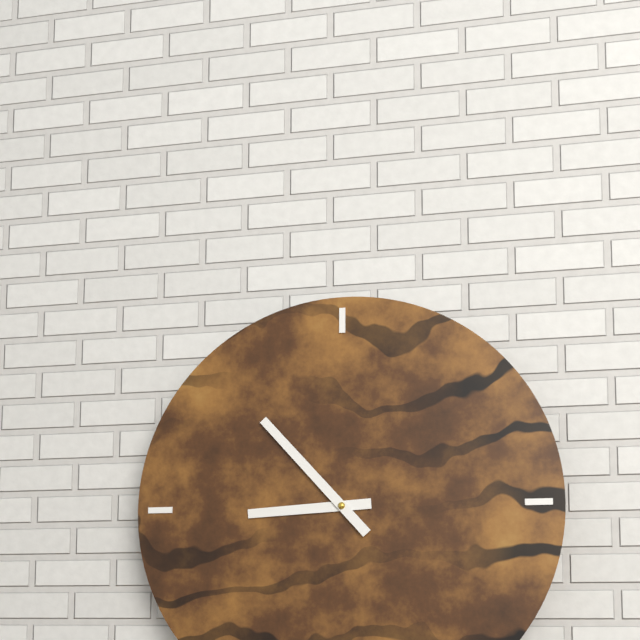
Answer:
**8:53**
